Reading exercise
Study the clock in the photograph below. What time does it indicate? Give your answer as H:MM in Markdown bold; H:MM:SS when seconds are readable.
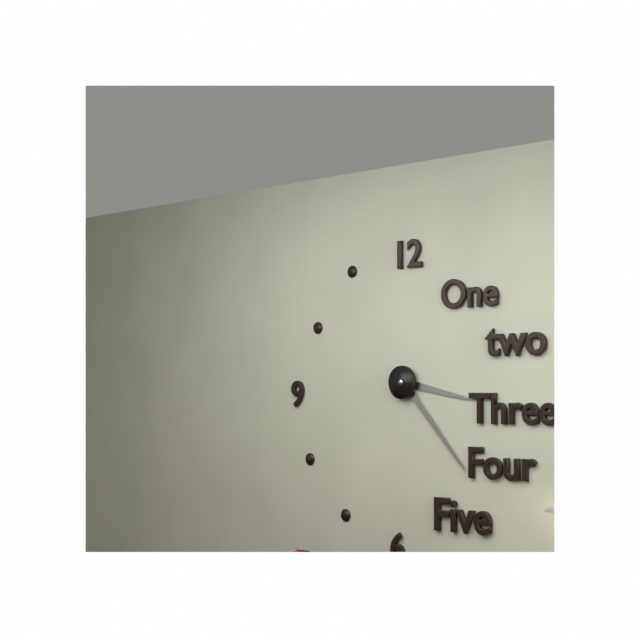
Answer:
**3:23**
